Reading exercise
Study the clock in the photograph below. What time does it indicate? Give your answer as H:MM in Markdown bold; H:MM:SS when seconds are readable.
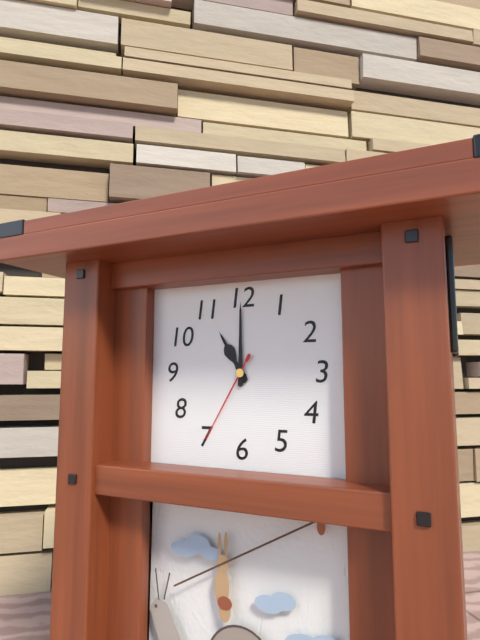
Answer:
**11:00:35**
